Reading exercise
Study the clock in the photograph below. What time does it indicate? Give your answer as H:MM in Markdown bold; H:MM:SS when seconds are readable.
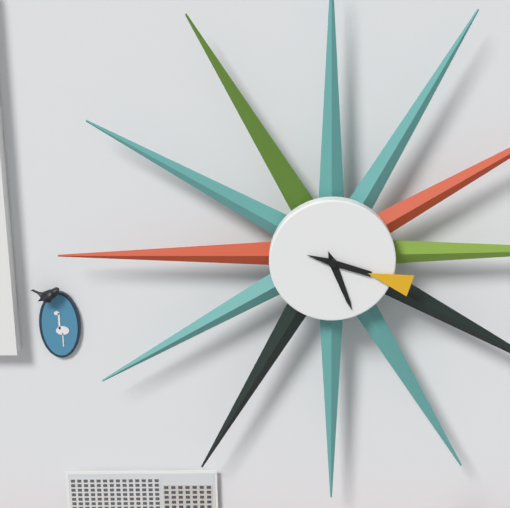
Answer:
**5:18**
